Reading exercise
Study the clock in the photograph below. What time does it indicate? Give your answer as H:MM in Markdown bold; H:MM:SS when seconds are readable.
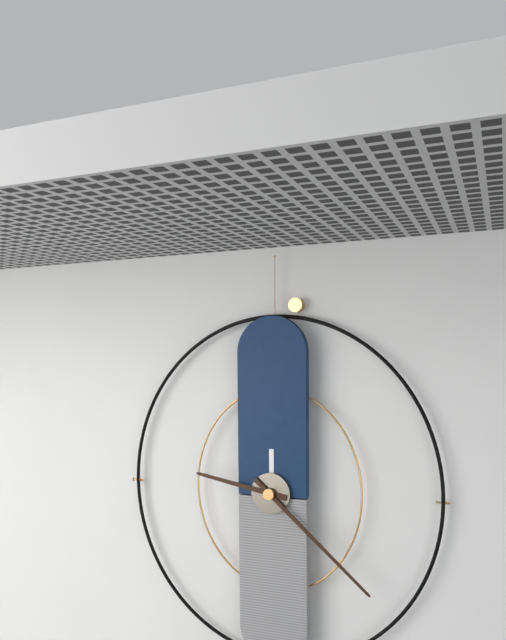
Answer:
**9:22**
